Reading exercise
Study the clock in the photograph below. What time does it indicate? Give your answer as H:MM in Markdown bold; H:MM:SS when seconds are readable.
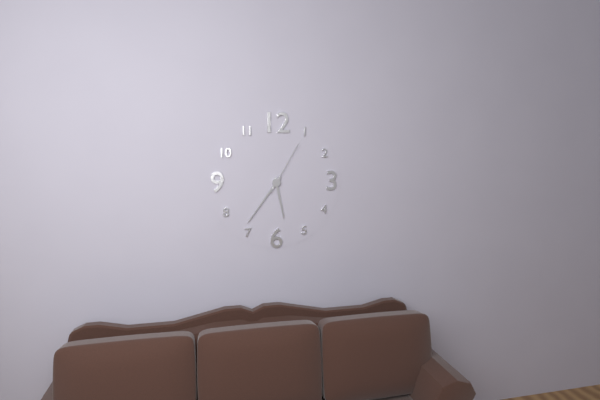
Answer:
**5:36:05**
